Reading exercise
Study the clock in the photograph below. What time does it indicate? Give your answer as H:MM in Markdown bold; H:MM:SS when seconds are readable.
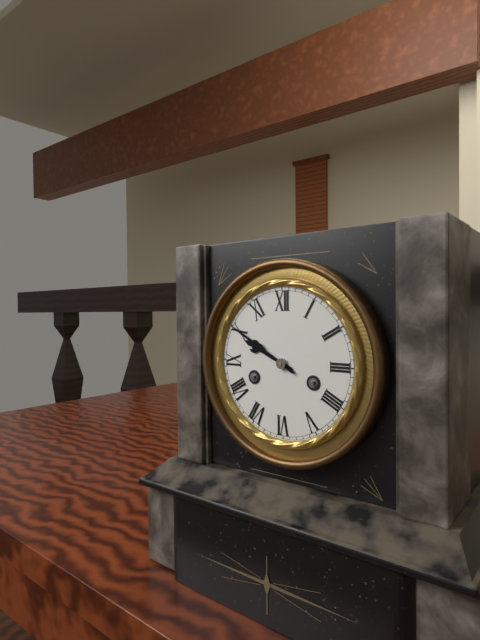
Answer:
**9:50**
